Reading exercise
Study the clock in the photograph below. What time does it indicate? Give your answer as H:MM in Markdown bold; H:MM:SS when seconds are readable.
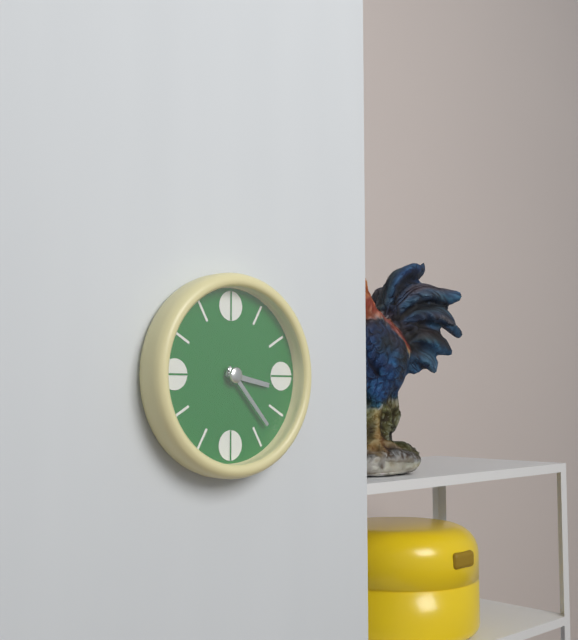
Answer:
**3:23**
